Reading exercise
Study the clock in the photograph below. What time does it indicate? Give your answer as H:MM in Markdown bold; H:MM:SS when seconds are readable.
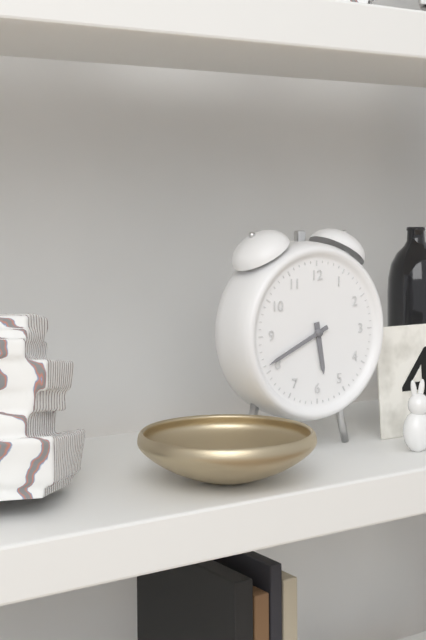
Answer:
**5:41**
